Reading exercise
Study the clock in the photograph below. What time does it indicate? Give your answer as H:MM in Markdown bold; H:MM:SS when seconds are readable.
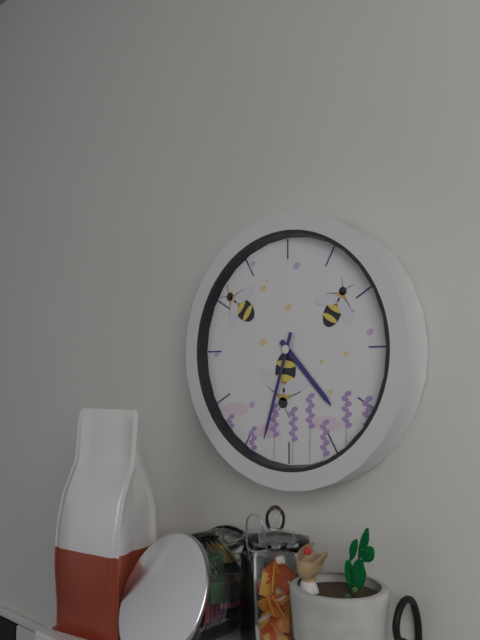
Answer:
**4:33**
